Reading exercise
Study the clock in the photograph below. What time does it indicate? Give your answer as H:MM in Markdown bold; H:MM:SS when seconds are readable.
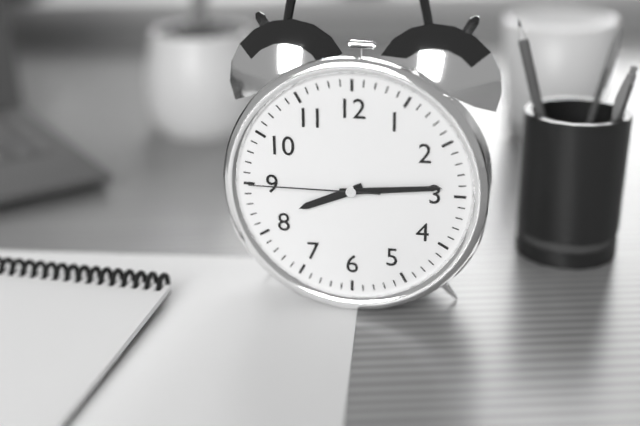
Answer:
**8:14:45**
